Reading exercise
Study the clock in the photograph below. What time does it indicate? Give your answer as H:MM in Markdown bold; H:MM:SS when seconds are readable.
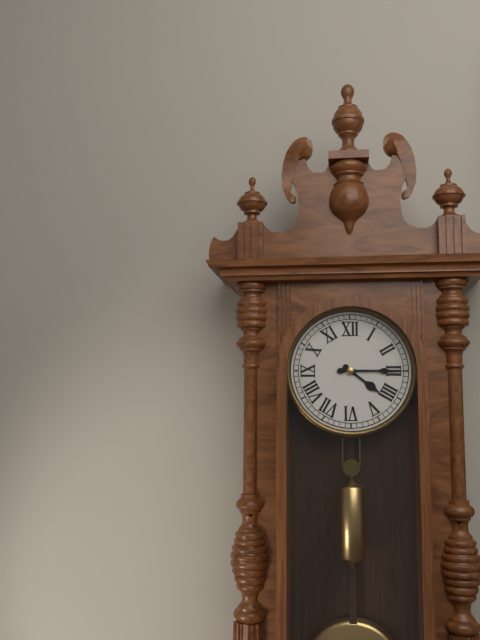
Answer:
**4:15**
